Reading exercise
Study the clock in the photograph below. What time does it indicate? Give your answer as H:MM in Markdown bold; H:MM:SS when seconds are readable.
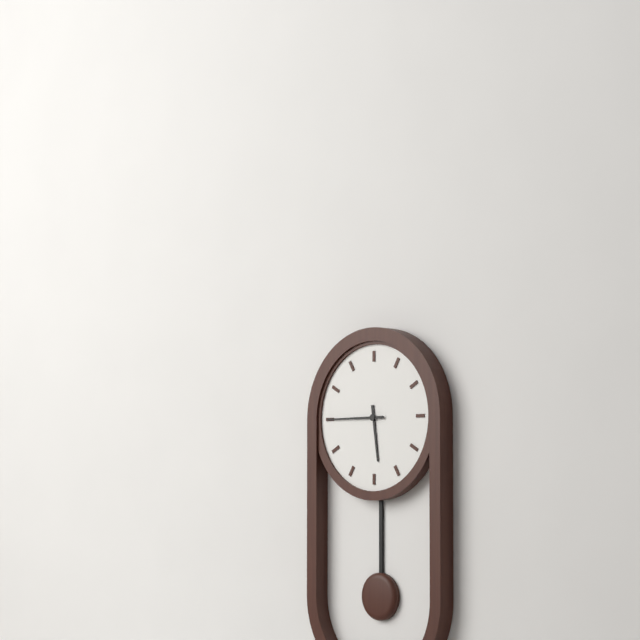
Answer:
**5:45**
